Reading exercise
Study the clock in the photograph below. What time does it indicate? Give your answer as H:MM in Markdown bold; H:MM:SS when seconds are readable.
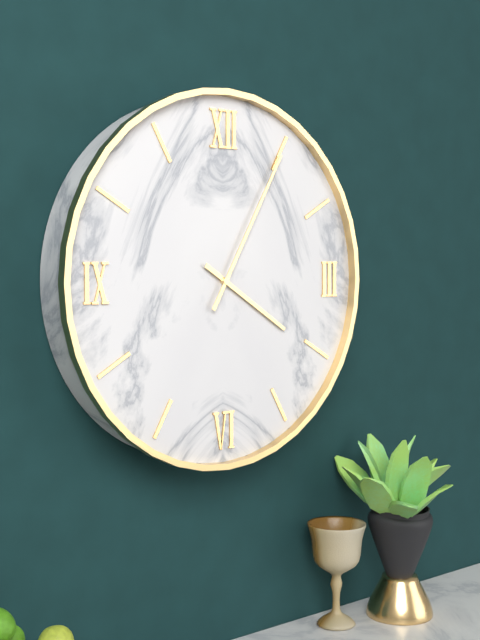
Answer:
**4:05**
